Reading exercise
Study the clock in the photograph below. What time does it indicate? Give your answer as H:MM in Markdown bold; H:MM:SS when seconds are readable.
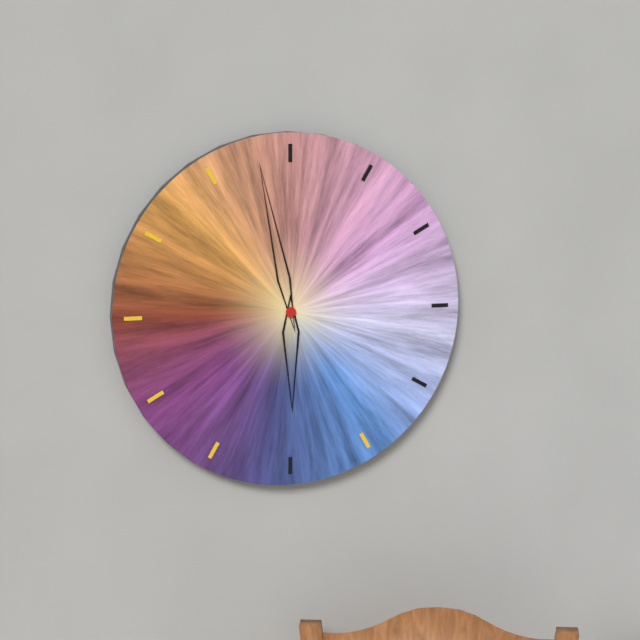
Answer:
**5:58**
